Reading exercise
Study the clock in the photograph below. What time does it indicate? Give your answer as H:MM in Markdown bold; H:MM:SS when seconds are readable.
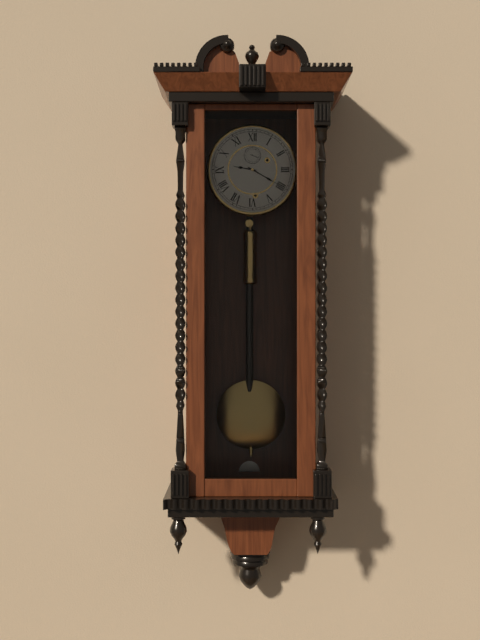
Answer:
**9:20**
